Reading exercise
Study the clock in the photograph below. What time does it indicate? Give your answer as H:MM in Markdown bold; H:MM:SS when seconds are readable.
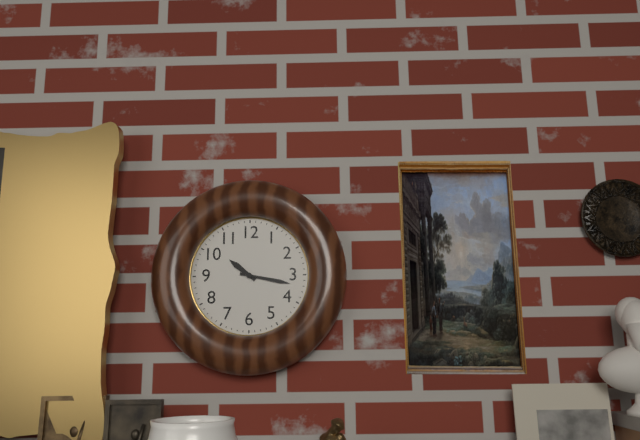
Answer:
**10:17**
